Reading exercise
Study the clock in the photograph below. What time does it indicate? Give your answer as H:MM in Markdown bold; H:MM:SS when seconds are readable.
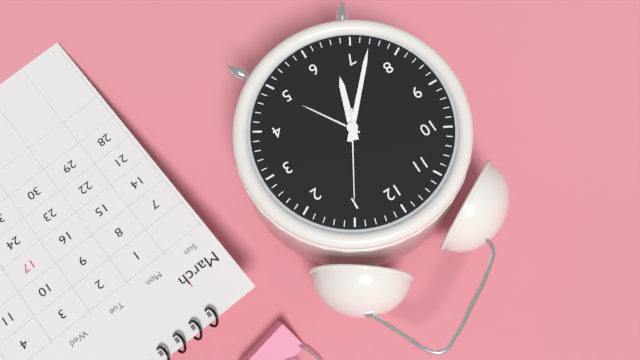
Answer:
**6:37:05**
